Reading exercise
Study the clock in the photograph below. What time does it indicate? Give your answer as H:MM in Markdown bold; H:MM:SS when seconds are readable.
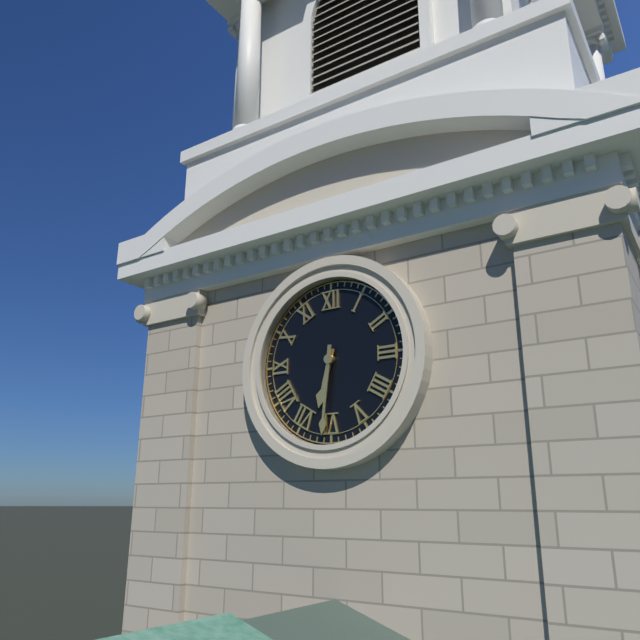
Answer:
**6:31**
